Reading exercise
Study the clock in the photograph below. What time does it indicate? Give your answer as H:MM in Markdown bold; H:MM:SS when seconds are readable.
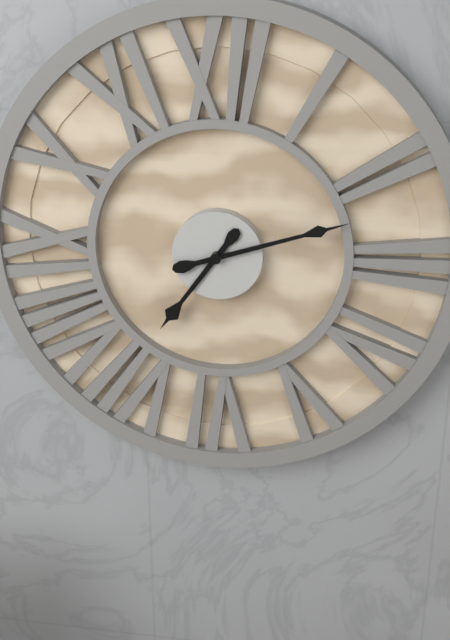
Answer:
**7:12**
